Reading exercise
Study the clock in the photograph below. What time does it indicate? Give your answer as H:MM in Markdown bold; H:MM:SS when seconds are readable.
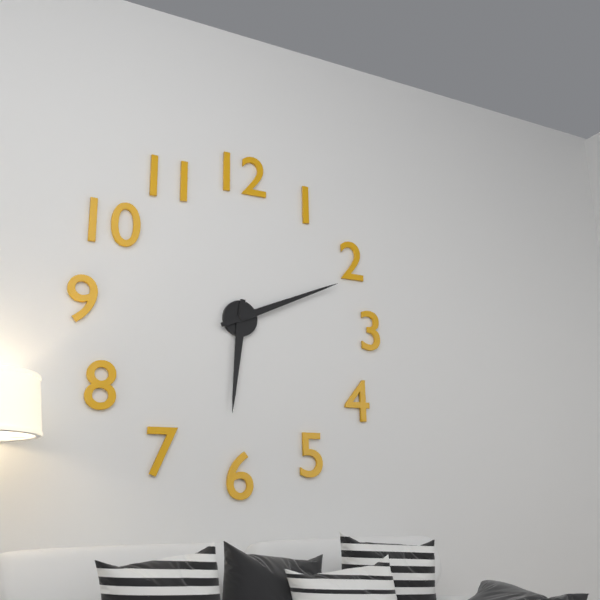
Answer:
**6:11**
